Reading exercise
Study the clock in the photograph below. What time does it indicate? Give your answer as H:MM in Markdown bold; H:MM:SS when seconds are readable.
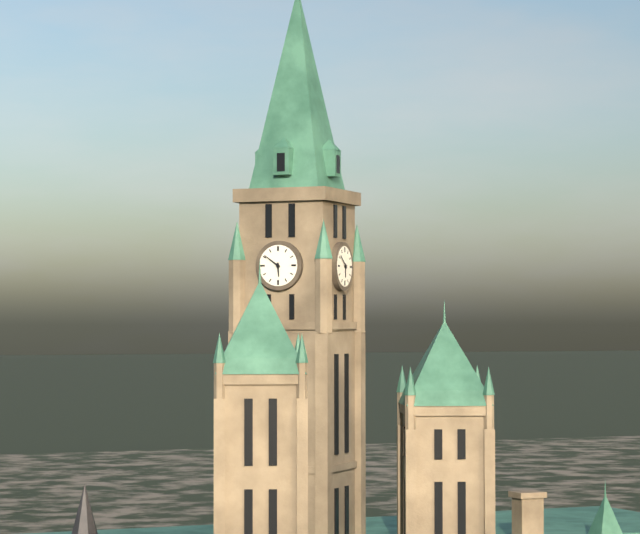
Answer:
**5:51**
